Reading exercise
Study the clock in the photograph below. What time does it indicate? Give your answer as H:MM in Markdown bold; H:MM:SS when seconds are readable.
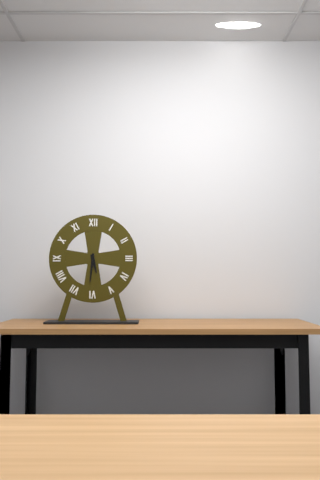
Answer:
**5:31**
